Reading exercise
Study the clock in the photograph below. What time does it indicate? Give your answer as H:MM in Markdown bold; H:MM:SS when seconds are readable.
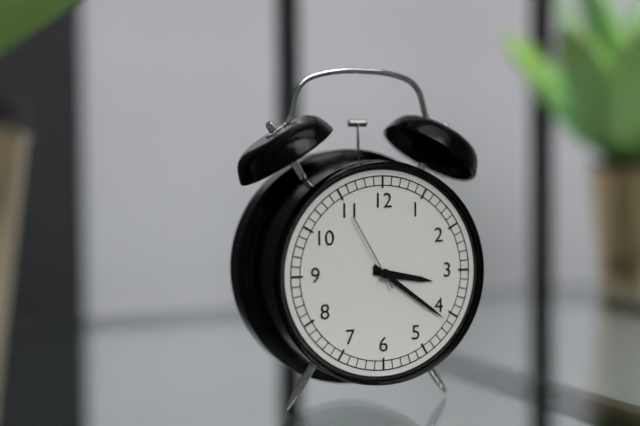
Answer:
**3:21:55**
